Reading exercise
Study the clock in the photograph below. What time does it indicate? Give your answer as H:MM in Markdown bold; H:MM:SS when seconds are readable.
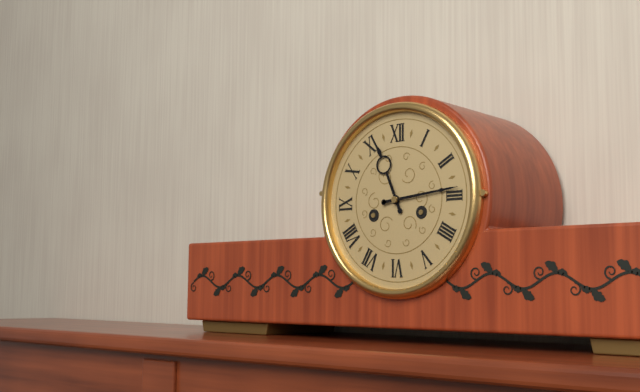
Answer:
**11:14**
